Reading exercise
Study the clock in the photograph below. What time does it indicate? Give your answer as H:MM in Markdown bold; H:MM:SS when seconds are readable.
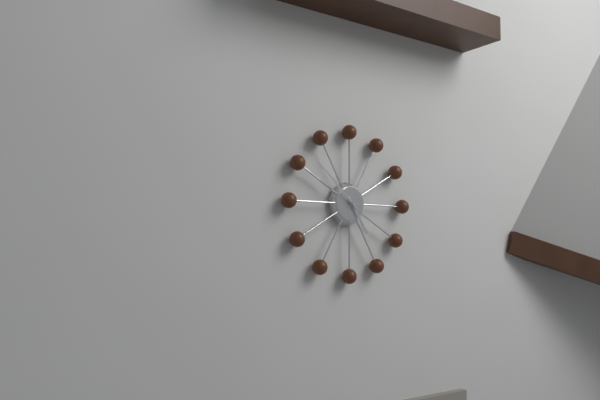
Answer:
**4:52**
